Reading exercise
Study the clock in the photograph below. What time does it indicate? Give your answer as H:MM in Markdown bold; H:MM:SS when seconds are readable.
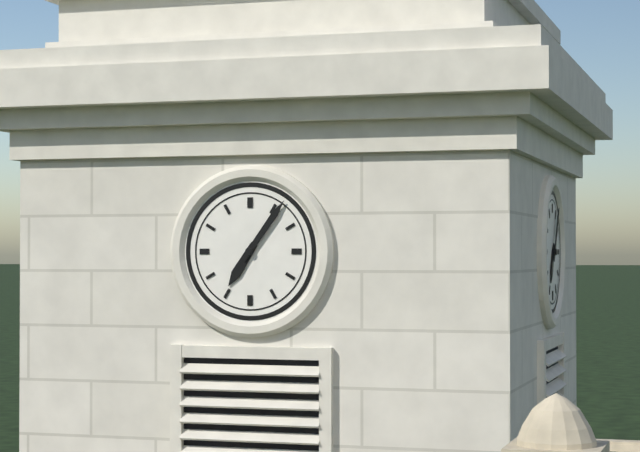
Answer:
**7:06**
